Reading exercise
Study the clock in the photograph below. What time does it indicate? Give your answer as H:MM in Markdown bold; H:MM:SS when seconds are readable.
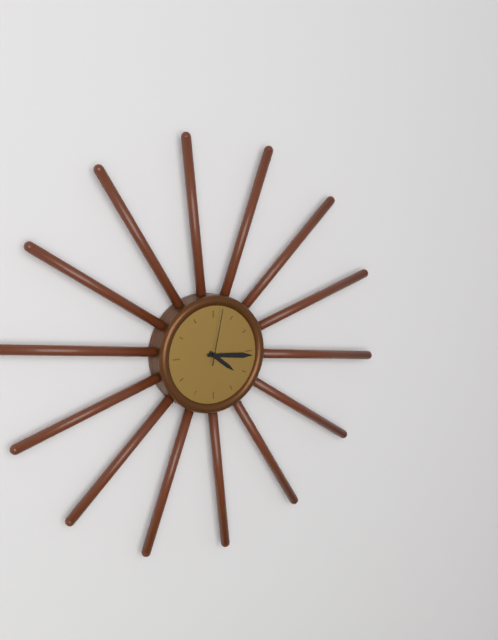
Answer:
**4:16:02**
